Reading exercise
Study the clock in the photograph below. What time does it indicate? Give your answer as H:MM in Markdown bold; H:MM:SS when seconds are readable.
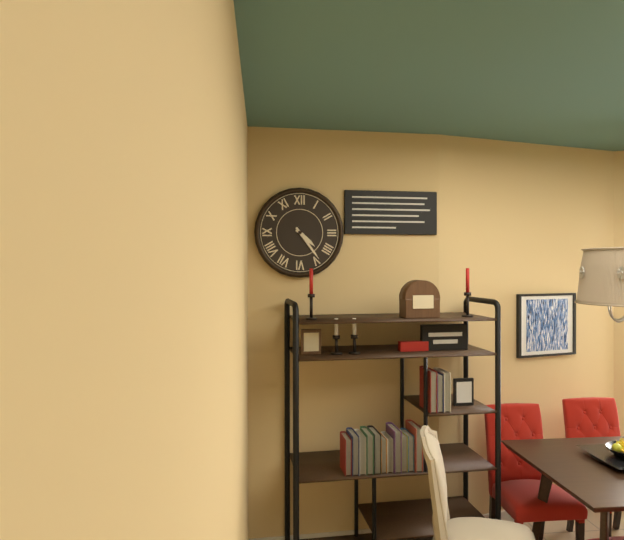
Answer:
**4:24**
